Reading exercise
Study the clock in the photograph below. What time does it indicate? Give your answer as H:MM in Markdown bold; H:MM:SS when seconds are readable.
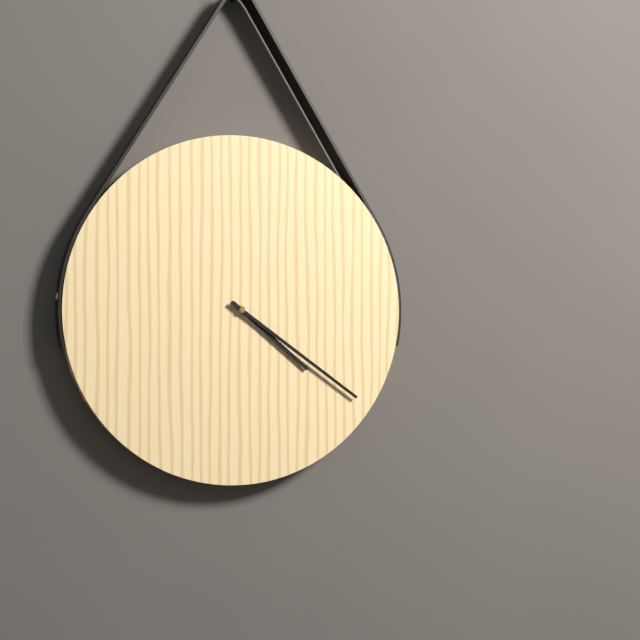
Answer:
**4:21**
